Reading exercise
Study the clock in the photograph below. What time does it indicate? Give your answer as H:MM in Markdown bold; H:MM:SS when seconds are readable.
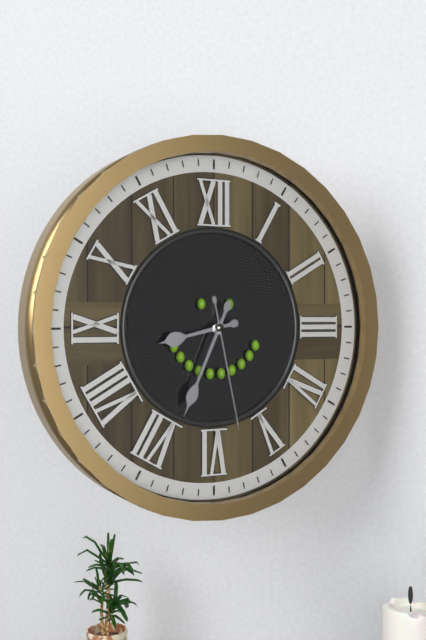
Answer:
**8:34:28**
